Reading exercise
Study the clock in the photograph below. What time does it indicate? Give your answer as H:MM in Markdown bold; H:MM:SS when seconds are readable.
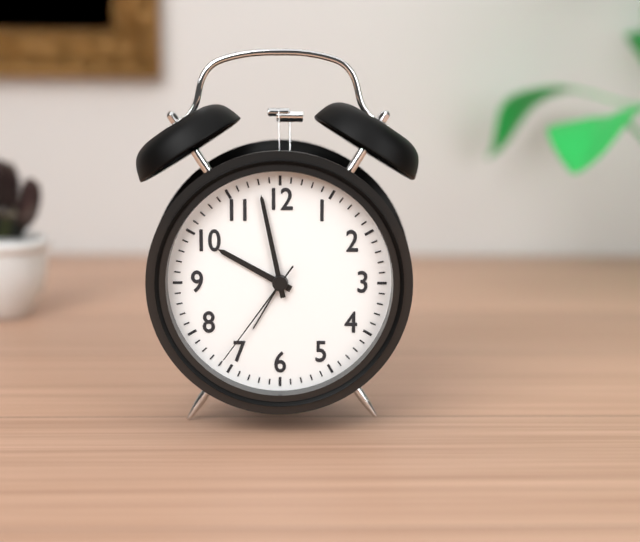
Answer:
**9:58:36**
